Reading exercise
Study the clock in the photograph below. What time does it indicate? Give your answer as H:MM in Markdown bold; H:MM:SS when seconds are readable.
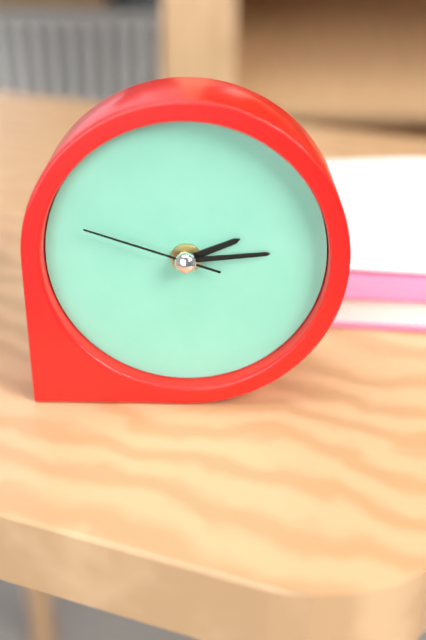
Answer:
**2:14:48**
